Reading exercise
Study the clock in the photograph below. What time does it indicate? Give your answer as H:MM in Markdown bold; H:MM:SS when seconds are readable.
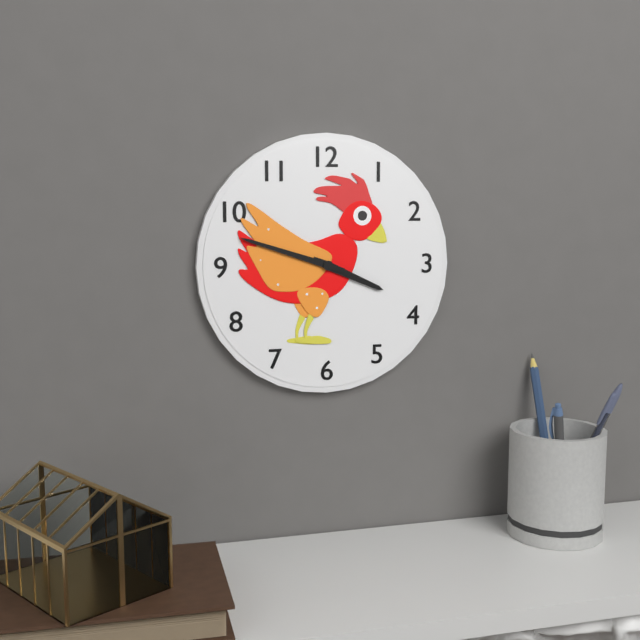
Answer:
**3:48**
